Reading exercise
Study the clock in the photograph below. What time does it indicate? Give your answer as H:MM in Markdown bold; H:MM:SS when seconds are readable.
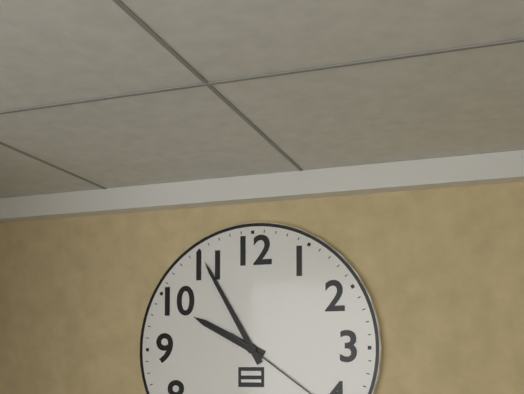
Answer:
**9:55**
